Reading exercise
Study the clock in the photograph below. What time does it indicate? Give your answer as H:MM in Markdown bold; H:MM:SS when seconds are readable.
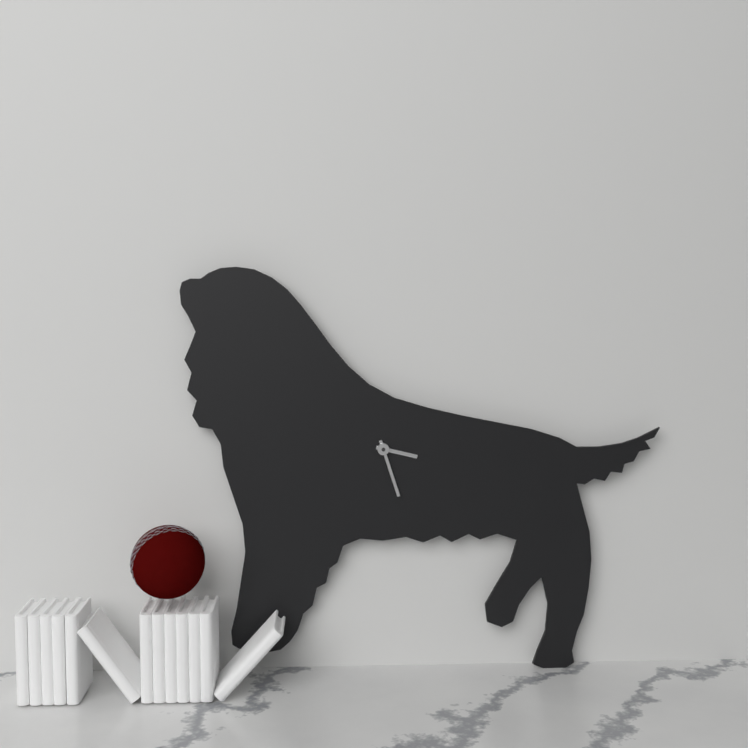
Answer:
**3:27**
